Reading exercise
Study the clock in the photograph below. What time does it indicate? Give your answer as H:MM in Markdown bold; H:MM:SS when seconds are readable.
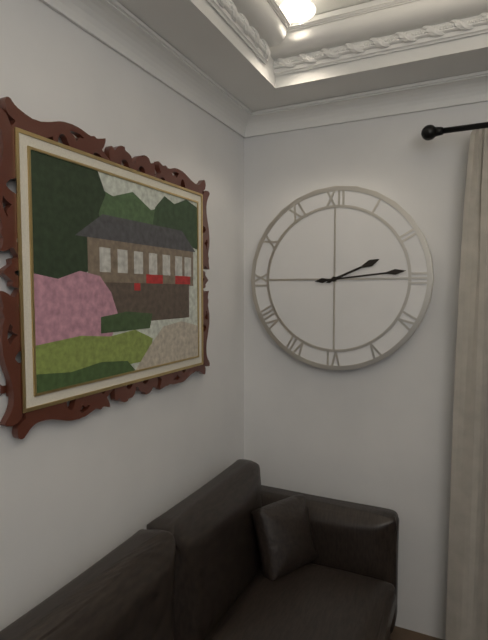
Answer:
**2:14**
